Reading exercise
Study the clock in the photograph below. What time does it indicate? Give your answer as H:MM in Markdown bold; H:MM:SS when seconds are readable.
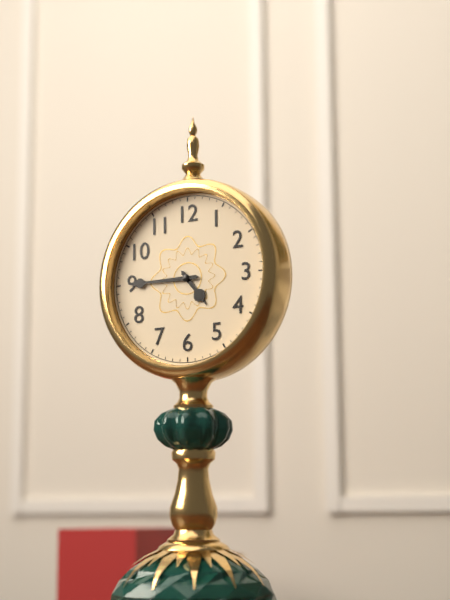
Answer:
**4:45**
